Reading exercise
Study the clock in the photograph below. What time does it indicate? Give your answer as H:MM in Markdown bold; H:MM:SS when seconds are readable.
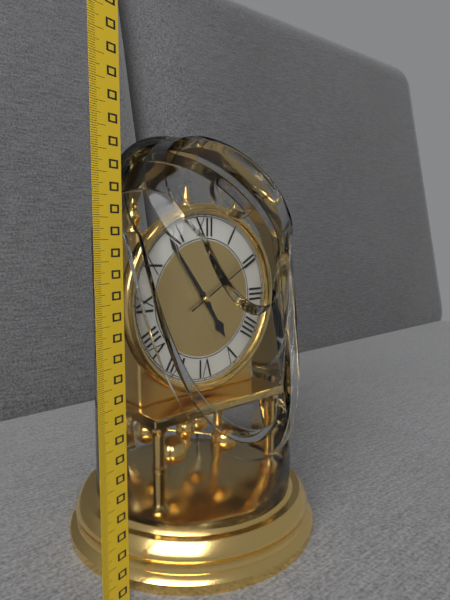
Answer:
**4:54:10**
